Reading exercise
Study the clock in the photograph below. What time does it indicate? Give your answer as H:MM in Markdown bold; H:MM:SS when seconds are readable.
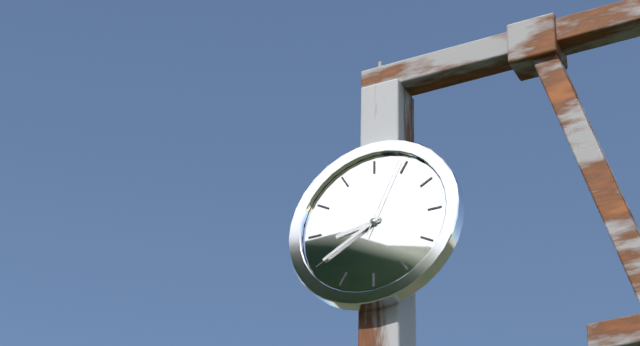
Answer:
**8:40:04**
